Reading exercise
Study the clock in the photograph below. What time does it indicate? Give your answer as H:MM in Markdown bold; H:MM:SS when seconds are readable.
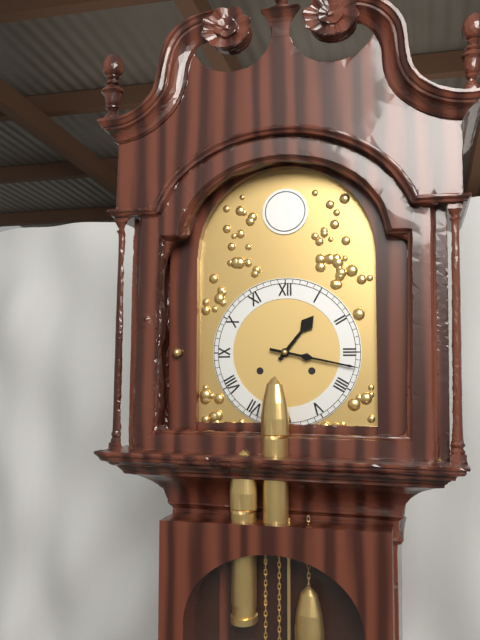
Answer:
**1:17**
